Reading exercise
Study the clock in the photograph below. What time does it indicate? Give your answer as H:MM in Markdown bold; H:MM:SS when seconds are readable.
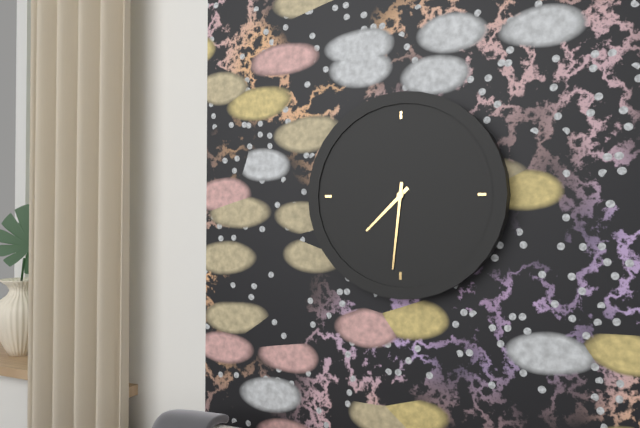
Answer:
**7:31**
